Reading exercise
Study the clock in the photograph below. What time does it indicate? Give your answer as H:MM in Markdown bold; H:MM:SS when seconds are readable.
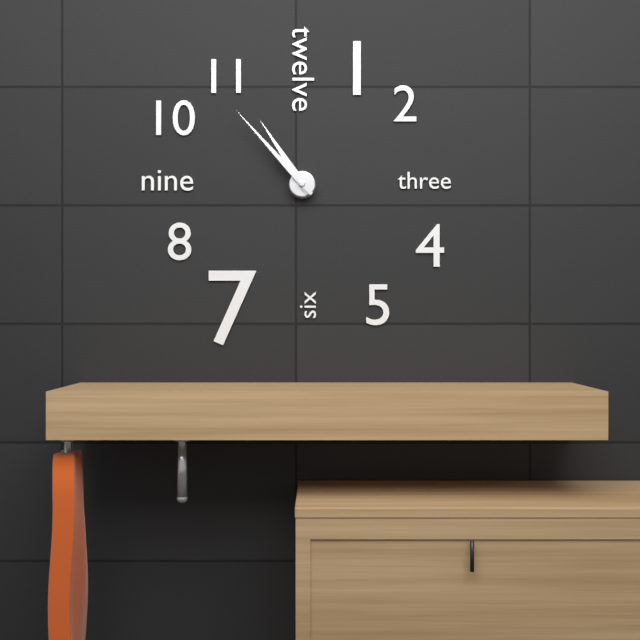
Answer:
**10:53**
